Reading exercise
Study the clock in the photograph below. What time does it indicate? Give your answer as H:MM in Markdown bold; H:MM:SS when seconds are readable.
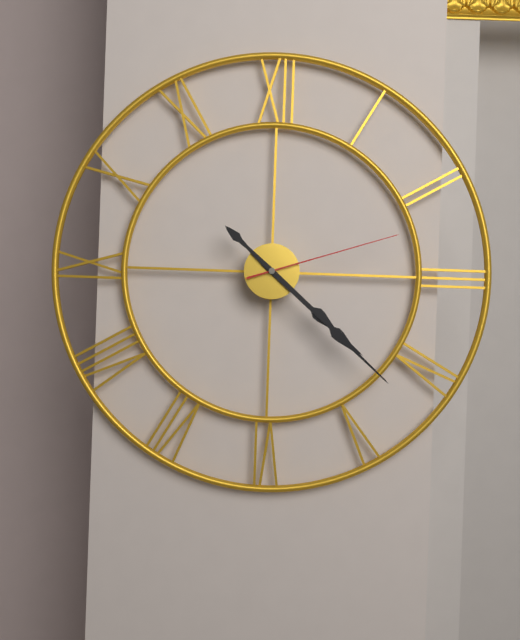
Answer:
**4:22:12**
